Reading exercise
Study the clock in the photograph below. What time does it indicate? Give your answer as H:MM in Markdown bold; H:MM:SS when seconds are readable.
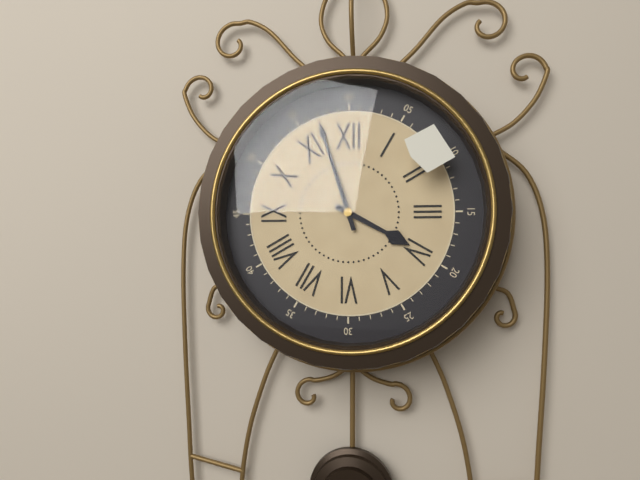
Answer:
**3:57**
